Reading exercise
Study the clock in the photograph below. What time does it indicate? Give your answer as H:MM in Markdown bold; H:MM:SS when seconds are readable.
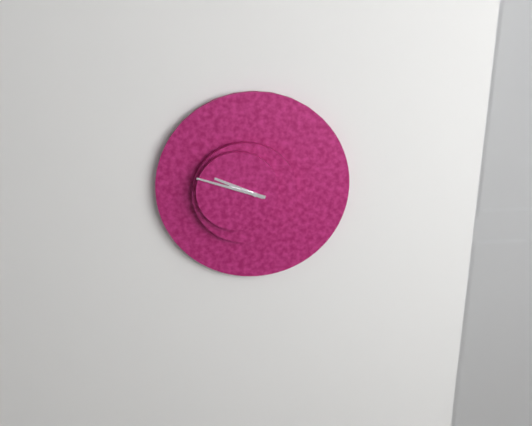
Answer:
**9:48**
